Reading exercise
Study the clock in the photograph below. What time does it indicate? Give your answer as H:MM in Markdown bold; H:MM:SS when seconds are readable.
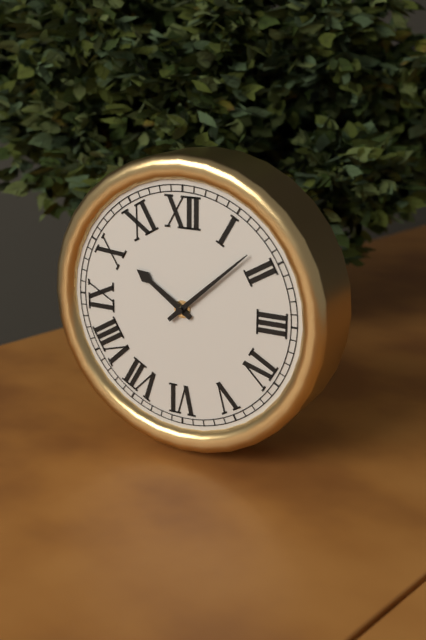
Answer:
**10:08**
